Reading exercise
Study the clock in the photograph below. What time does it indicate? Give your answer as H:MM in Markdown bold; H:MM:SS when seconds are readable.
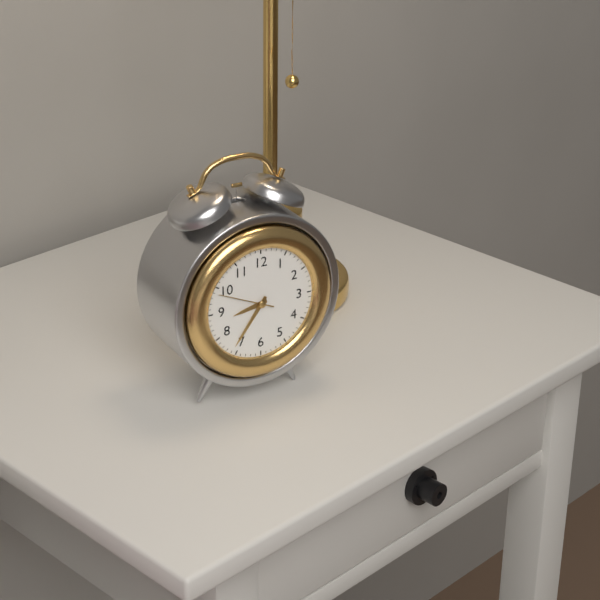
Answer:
**8:36:49**
